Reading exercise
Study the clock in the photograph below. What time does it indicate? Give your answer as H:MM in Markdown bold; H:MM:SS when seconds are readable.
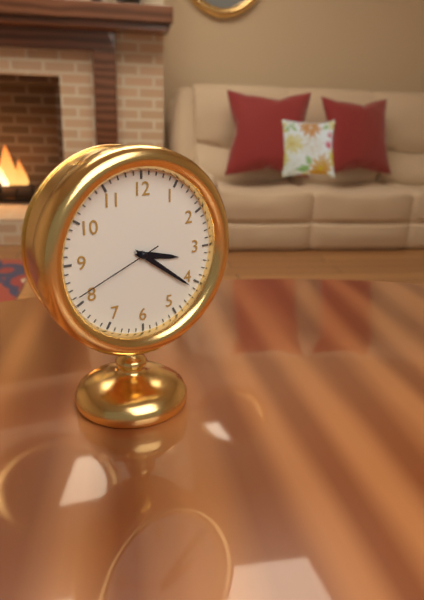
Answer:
**3:21:41**
